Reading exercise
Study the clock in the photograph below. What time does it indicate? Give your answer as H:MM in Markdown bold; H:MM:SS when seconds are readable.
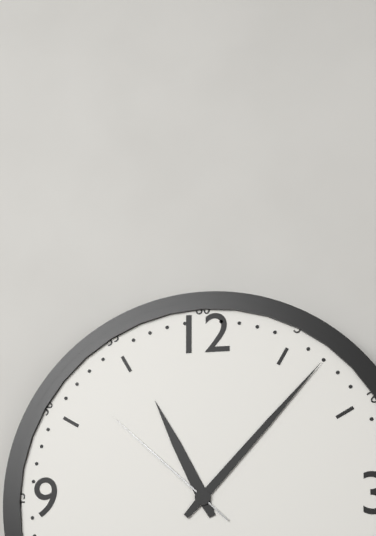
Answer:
**11:07:52**
